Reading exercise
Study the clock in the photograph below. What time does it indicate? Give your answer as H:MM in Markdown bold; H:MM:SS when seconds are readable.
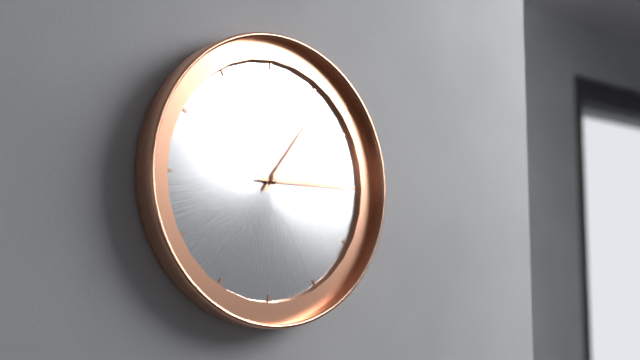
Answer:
**1:15**
